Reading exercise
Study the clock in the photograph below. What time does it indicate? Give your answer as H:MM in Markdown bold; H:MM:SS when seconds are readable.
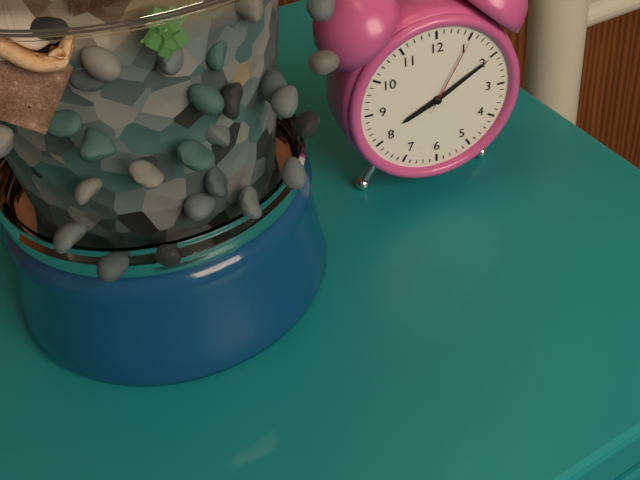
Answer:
**8:10:05**
